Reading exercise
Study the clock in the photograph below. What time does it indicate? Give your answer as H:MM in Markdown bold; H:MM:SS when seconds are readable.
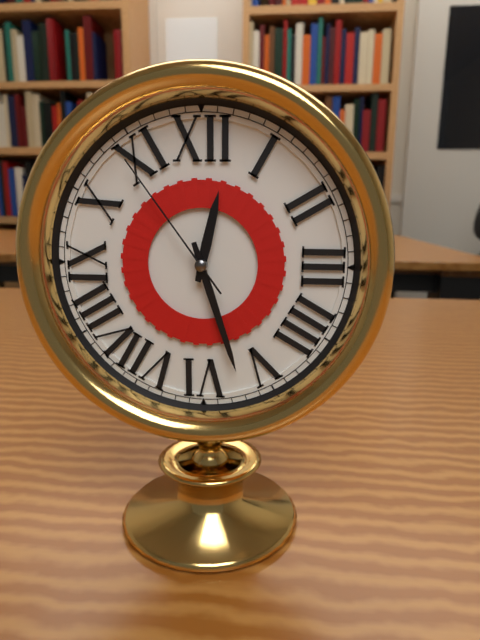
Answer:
**12:27:54**
